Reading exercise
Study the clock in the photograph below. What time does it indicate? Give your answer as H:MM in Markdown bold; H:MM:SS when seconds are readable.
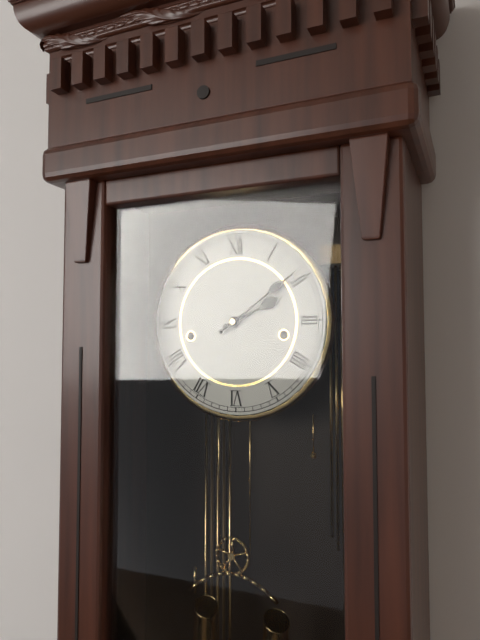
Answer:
**2:09**
